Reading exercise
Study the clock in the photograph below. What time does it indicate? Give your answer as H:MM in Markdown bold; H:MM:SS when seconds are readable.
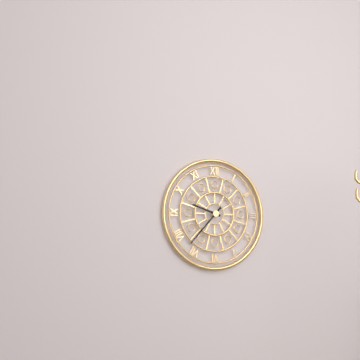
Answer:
**9:37**
